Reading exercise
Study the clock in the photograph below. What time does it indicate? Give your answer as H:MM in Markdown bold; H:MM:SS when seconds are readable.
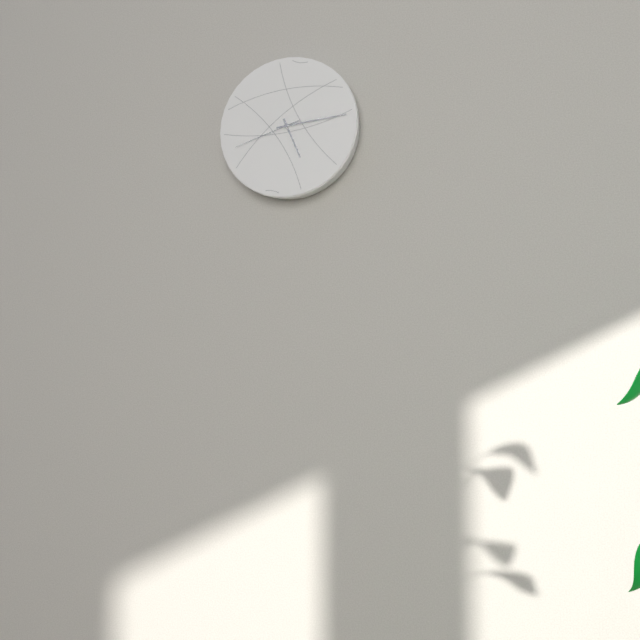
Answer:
**5:14:42**
